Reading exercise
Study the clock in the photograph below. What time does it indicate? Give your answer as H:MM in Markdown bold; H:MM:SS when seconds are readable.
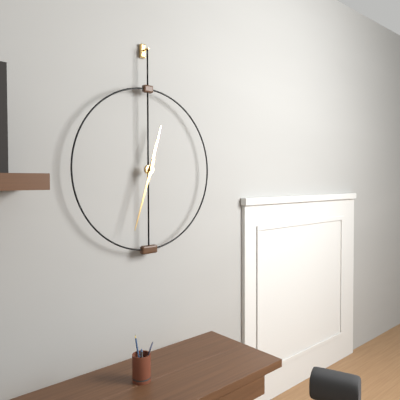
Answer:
**12:33**
